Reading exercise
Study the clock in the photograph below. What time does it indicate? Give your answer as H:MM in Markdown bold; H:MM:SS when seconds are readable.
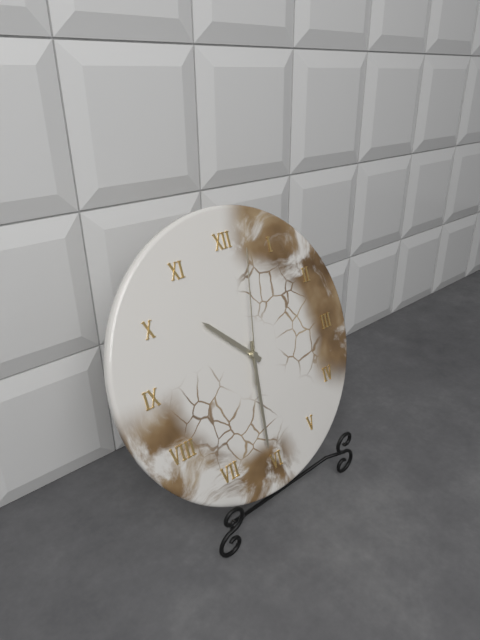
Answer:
**10:31:02**
